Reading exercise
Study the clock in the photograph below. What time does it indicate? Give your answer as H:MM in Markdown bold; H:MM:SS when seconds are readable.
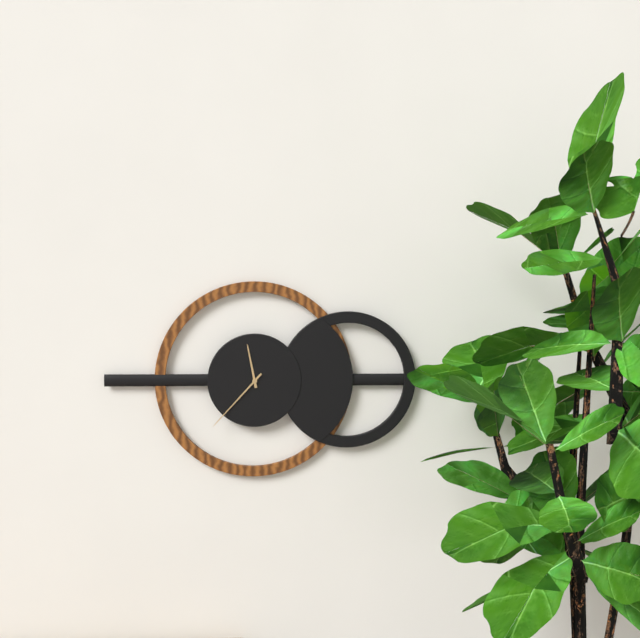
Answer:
**11:37**
